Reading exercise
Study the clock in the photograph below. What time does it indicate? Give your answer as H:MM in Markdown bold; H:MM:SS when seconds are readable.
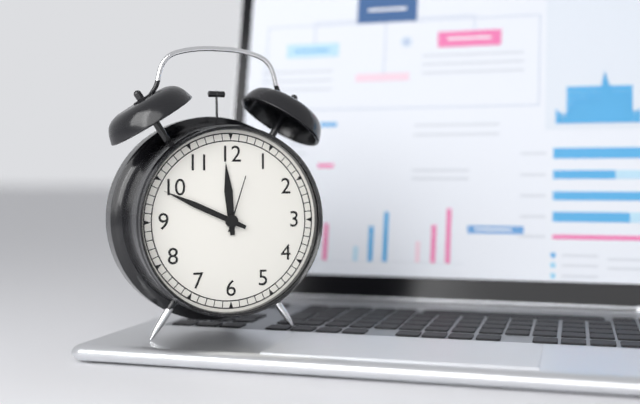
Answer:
**11:49:03**
